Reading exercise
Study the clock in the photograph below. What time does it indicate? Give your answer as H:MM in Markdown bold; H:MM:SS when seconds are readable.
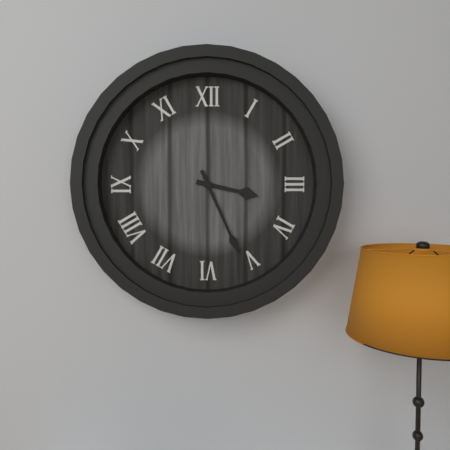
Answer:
**3:26**
